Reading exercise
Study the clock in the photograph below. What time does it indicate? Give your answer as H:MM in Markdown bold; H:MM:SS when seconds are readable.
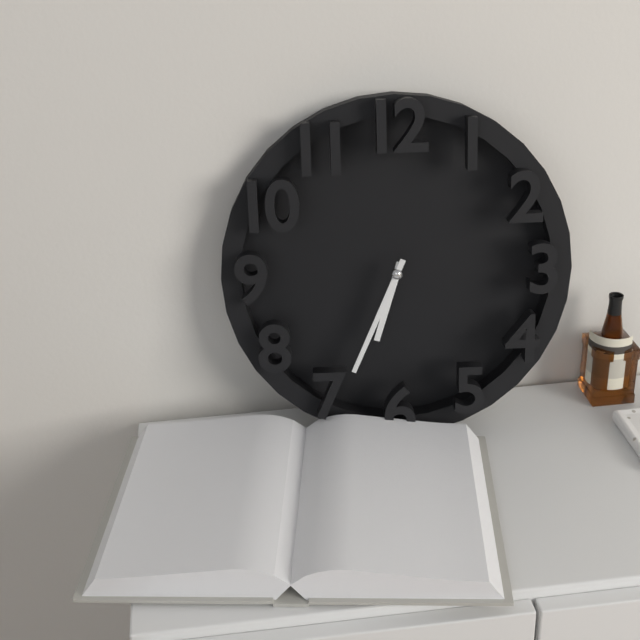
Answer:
**6:34**
